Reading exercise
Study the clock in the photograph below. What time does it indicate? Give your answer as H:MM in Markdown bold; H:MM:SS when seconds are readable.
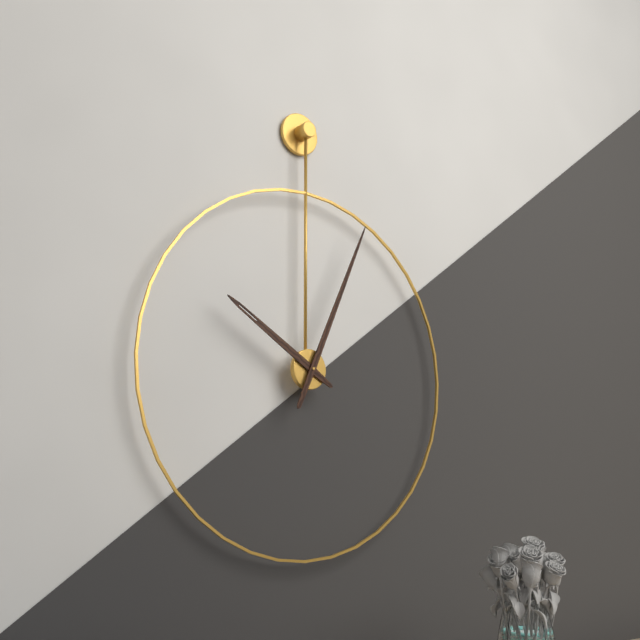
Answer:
**10:04**
